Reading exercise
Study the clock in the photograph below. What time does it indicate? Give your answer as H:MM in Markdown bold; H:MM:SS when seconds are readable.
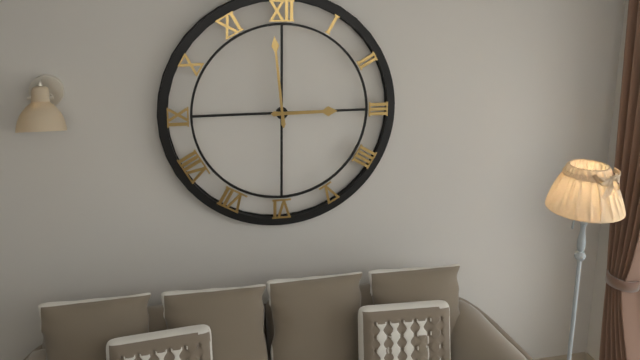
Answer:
**2:59**
